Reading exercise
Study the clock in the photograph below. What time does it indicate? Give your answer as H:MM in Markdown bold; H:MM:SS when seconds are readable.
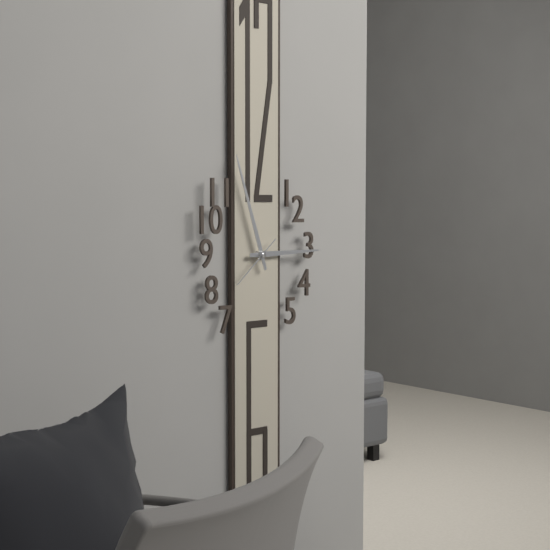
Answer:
**2:57:38**
